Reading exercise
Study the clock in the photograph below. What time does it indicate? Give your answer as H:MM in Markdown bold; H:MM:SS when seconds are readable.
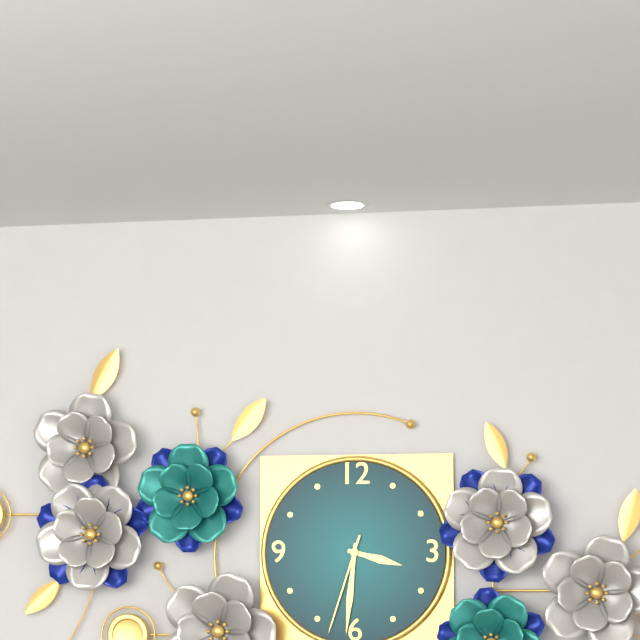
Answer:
**3:31:33**
